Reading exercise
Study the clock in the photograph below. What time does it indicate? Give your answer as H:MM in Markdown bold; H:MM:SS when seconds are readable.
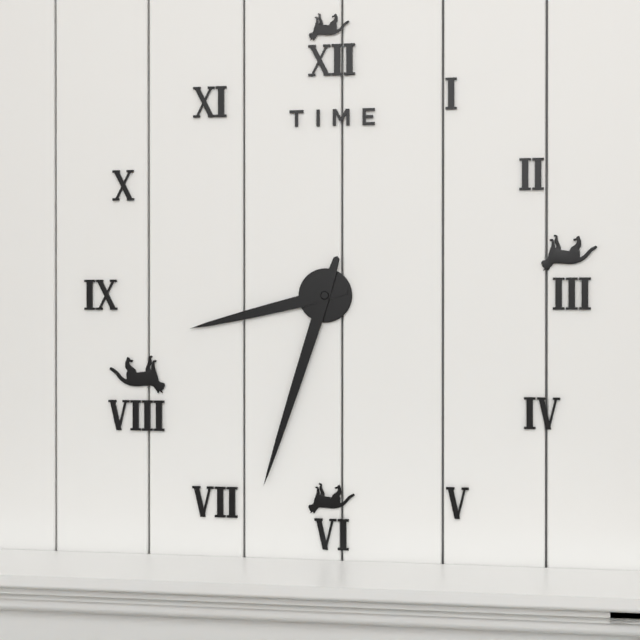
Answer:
**8:33**
